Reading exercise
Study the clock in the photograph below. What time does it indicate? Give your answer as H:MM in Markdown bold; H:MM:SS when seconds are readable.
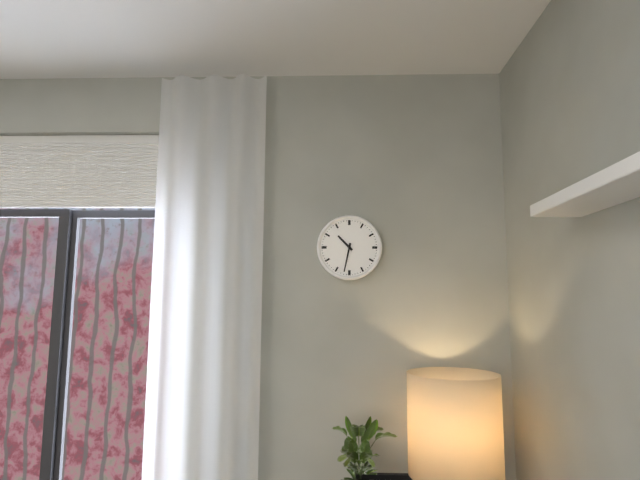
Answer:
**10:32**
